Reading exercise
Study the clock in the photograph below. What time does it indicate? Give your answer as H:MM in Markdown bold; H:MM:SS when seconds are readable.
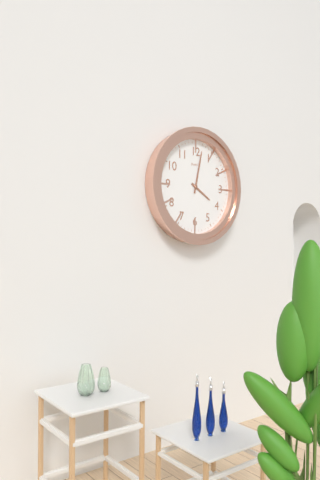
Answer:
**4:02**
